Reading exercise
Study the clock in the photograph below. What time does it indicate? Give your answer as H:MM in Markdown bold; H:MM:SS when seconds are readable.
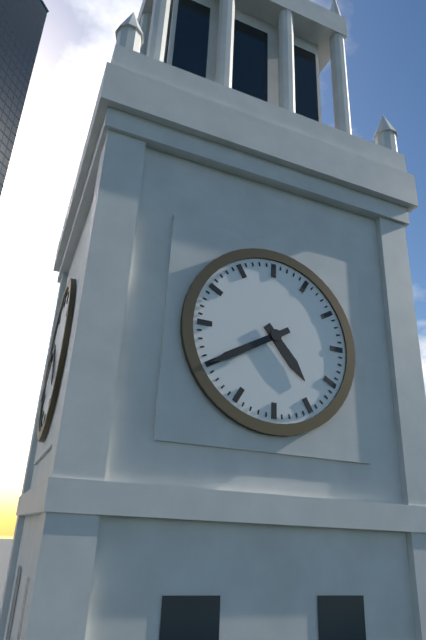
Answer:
**4:40**
